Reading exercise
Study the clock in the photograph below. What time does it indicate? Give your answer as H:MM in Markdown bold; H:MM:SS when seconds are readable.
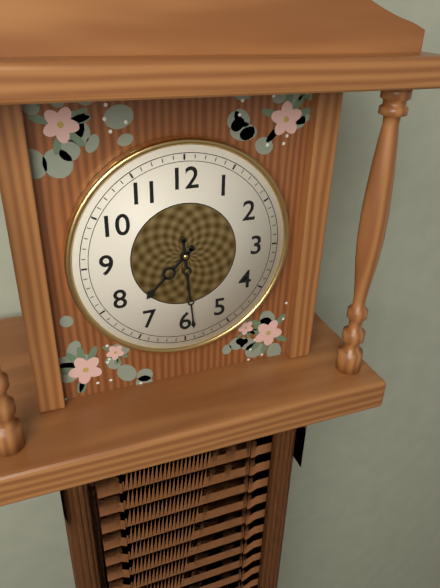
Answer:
**7:29**
